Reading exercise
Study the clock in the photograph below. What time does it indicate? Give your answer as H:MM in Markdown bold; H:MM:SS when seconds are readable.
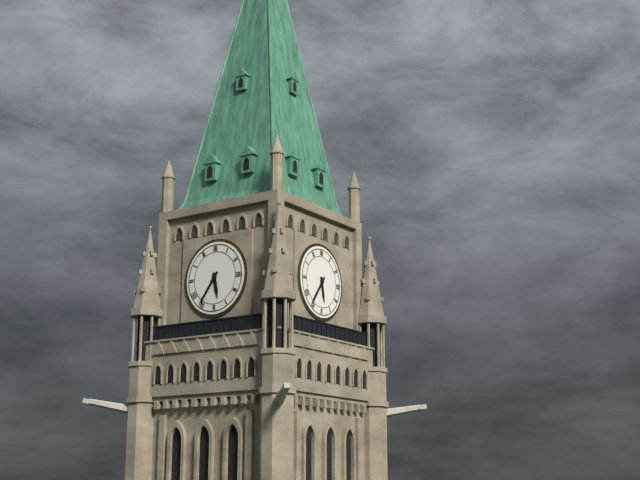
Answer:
**5:36**
